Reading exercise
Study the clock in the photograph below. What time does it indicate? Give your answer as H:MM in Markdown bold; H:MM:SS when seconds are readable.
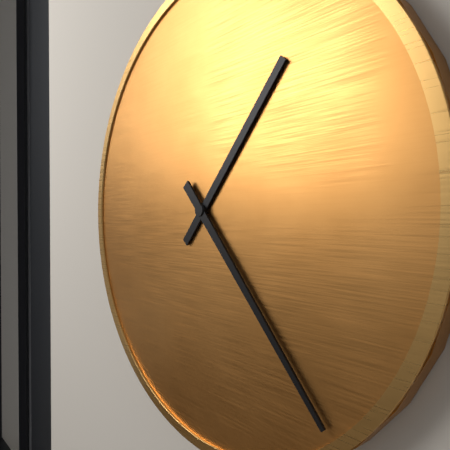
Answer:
**1:23**
